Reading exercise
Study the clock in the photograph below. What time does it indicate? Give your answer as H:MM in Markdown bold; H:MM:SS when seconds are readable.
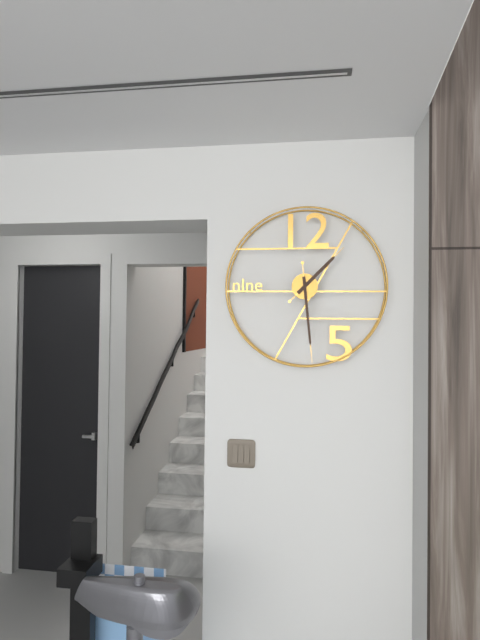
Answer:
**1:29**
